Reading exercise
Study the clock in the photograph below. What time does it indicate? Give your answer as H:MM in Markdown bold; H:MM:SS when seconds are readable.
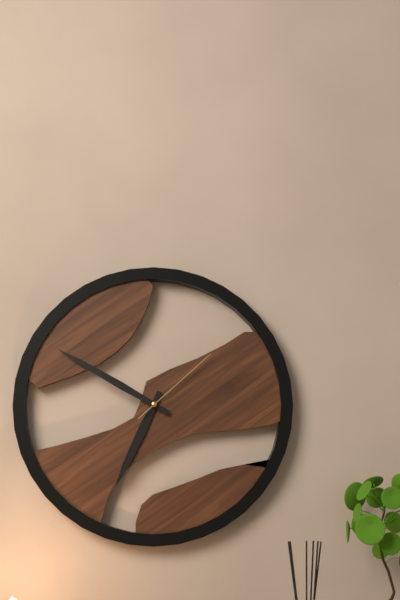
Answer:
**6:50:08**
